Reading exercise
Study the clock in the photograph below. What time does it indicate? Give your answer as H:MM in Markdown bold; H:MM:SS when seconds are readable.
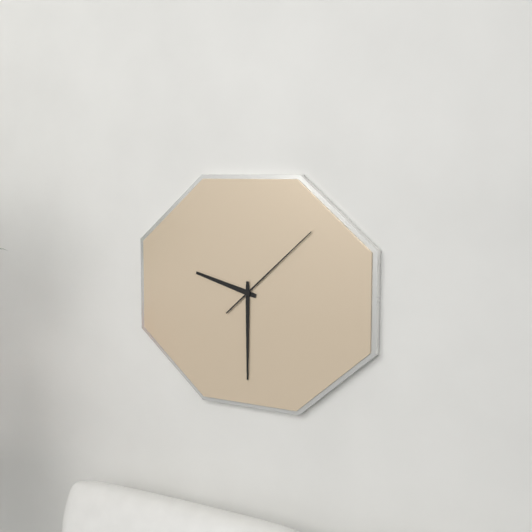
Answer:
**9:30:08**
